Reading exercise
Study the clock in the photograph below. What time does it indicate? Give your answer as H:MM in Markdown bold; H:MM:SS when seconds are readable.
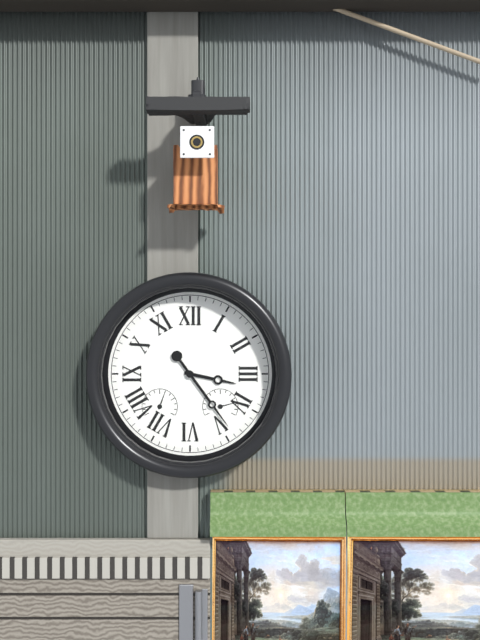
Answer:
**3:24**
